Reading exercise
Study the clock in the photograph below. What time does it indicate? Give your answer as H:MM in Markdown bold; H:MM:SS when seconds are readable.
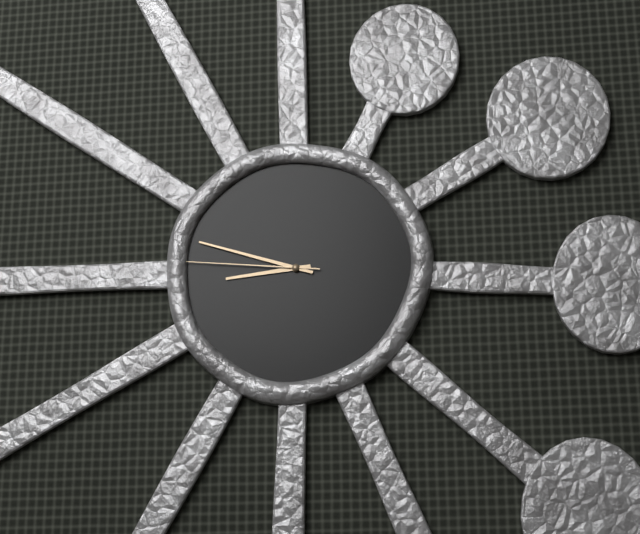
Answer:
**8:48:46**
